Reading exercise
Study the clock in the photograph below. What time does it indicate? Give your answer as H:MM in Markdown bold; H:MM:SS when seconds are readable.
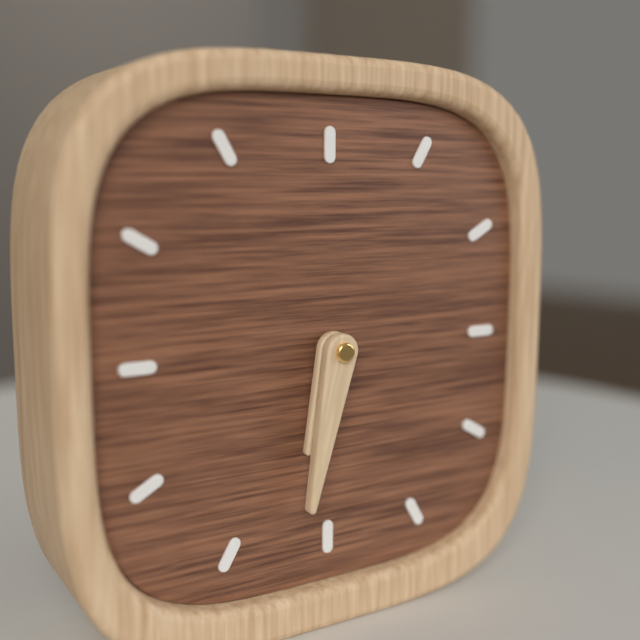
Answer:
**6:32**
